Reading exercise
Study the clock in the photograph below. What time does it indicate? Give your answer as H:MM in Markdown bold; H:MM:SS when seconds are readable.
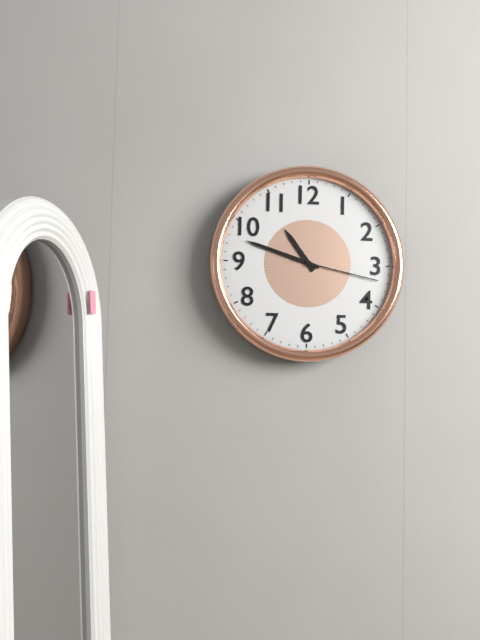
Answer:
**10:48:17**
